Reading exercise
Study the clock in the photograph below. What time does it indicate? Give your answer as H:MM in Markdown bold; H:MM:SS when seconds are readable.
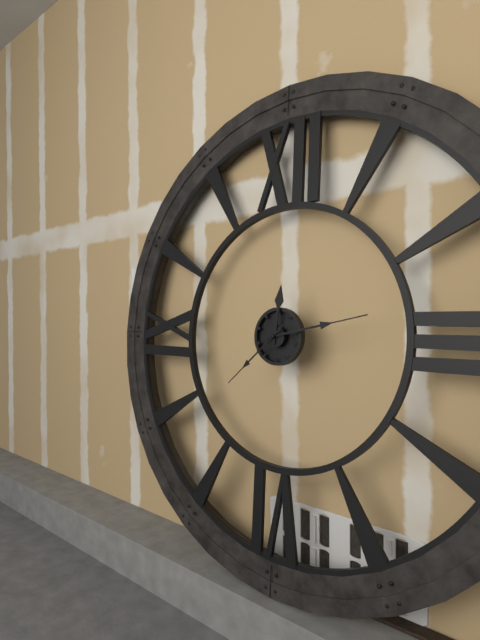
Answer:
**12:13:38**
